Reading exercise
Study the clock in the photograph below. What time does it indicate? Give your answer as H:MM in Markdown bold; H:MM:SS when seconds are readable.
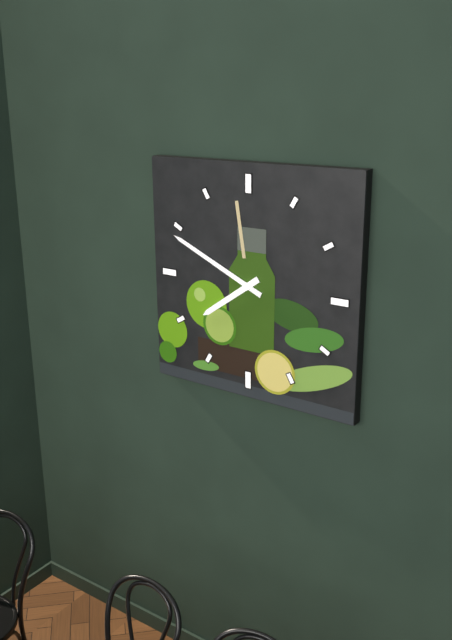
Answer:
**7:49**
